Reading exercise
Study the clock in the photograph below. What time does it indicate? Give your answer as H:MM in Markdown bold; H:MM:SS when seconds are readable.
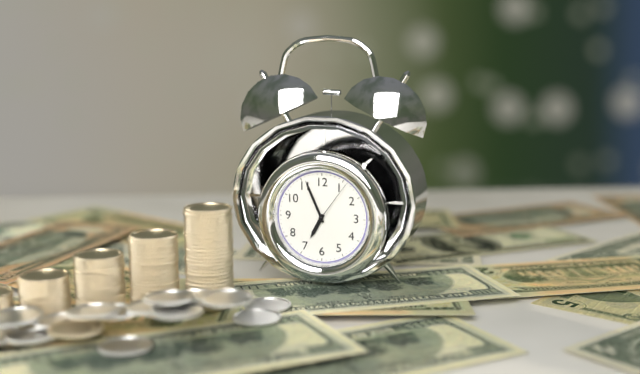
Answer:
**6:56:06**
